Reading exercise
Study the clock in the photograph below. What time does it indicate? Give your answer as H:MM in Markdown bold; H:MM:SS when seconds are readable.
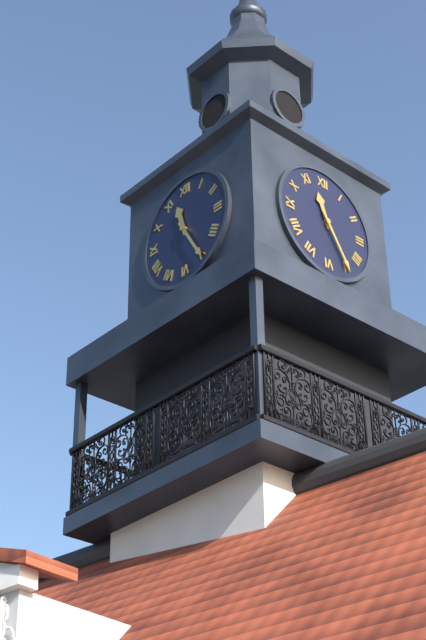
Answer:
**11:25**
